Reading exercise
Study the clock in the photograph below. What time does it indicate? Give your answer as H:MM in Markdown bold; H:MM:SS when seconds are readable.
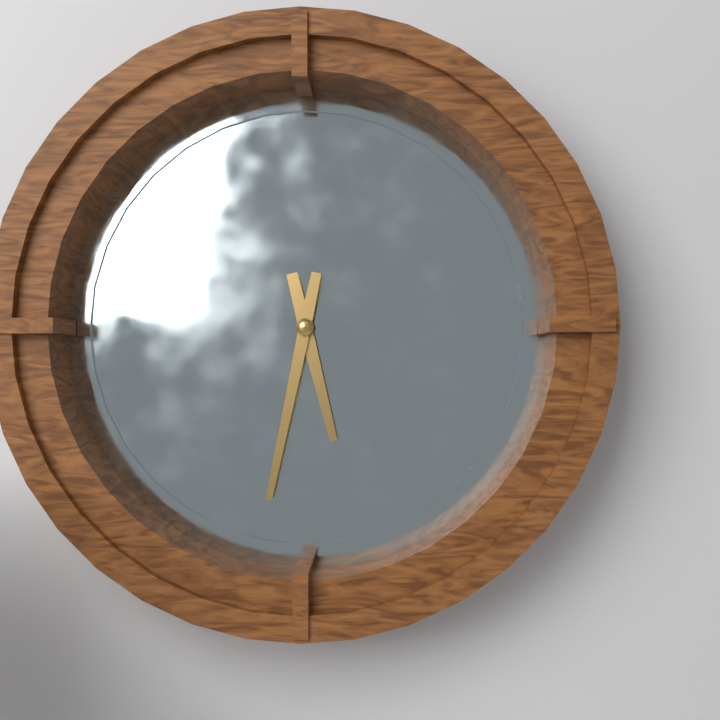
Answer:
**5:32**
